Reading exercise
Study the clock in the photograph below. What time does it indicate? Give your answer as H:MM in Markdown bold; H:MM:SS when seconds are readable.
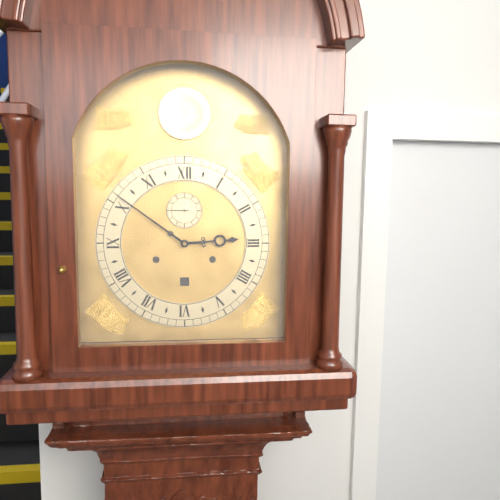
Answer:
**2:51**
